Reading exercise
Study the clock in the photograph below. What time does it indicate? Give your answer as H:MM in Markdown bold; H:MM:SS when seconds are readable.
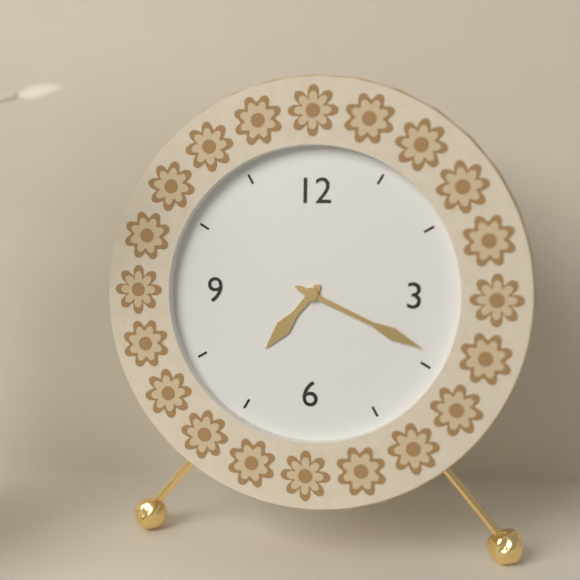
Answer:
**7:19**
